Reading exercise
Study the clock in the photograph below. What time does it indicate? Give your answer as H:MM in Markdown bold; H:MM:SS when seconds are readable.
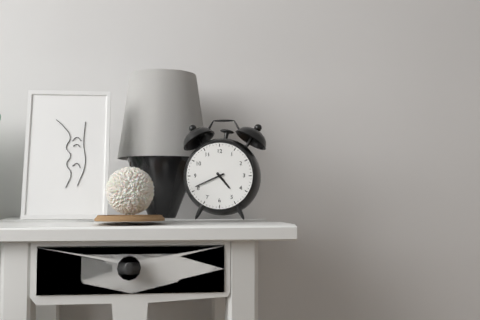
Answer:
**4:41**
